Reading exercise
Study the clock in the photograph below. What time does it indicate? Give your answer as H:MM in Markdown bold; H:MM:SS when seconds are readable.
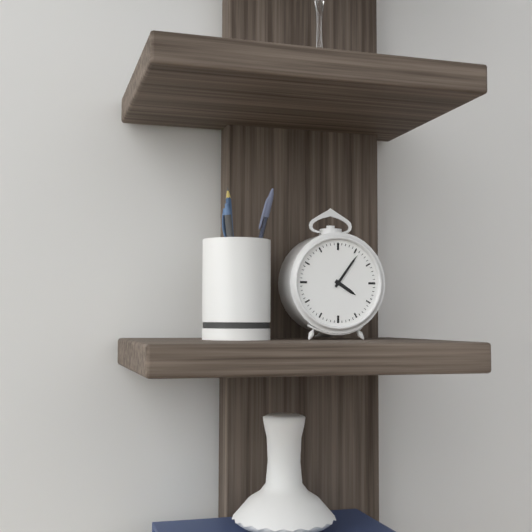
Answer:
**4:06**
